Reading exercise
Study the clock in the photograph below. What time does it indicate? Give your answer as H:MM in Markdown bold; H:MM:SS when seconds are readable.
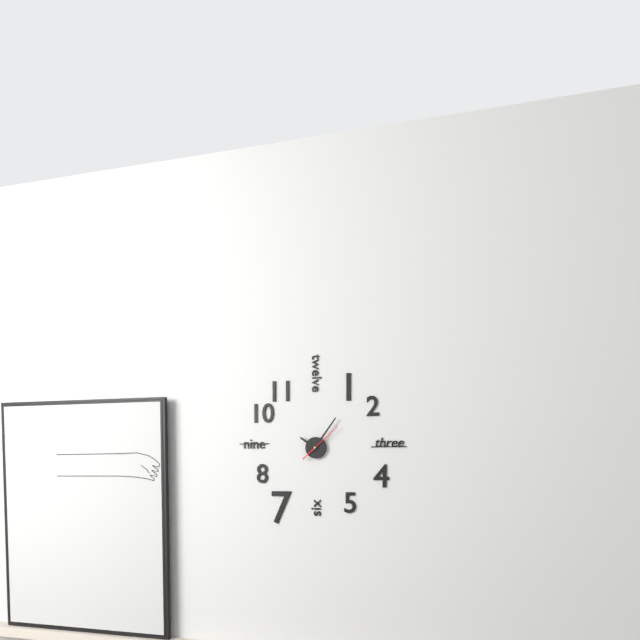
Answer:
**10:06**
